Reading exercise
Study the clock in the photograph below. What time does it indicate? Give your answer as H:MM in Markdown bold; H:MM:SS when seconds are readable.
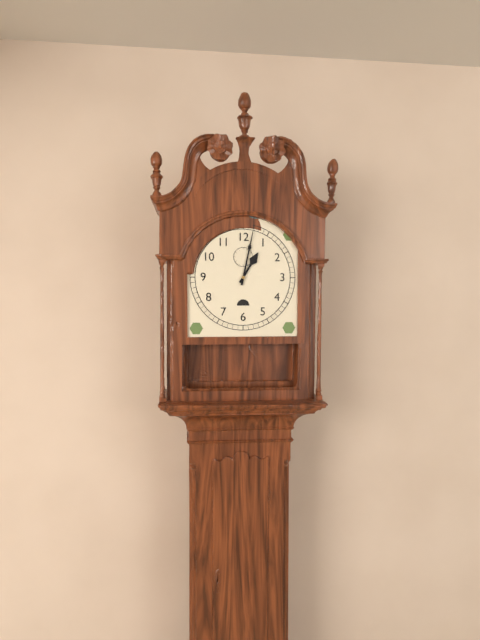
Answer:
**1:02**
